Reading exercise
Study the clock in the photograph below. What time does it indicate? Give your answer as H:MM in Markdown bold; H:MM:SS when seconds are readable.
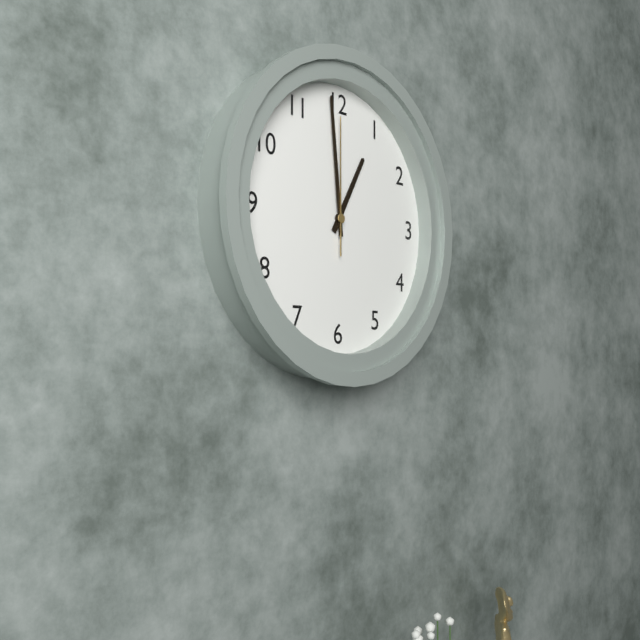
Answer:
**12:59:00**
